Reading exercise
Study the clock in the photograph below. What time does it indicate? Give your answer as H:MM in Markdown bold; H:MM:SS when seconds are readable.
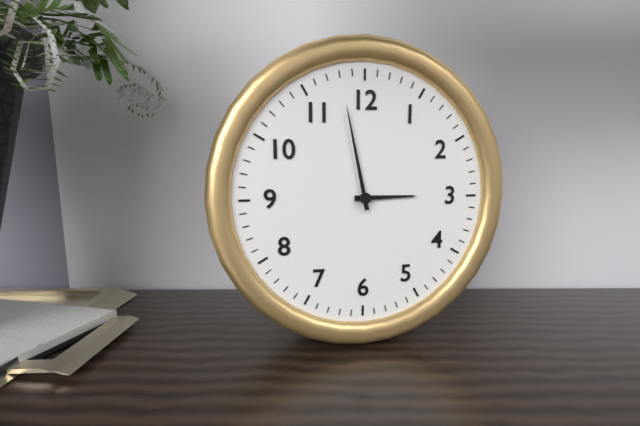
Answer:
**2:58**
